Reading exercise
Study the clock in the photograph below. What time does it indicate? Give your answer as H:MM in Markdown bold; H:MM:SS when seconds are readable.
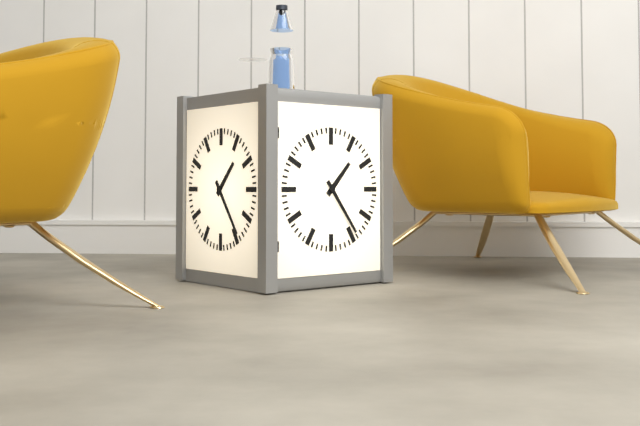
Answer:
**1:24**
